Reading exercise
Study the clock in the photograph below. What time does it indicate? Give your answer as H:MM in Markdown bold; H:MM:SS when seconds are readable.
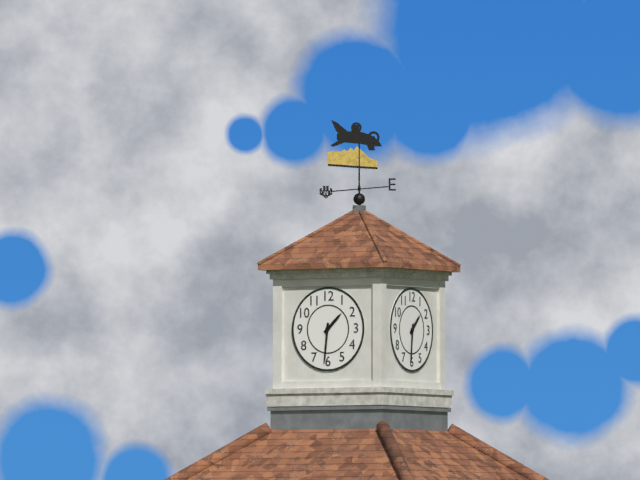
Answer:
**1:31**
